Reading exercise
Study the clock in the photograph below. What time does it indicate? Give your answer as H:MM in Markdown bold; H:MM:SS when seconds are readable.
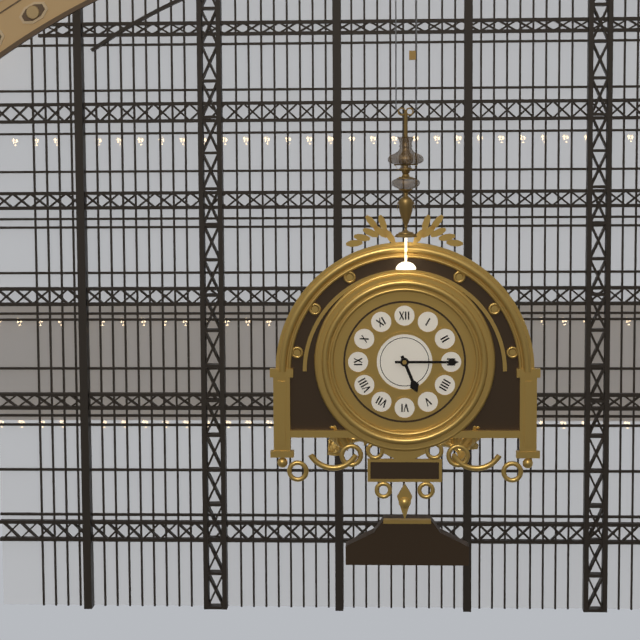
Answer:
**5:15**
